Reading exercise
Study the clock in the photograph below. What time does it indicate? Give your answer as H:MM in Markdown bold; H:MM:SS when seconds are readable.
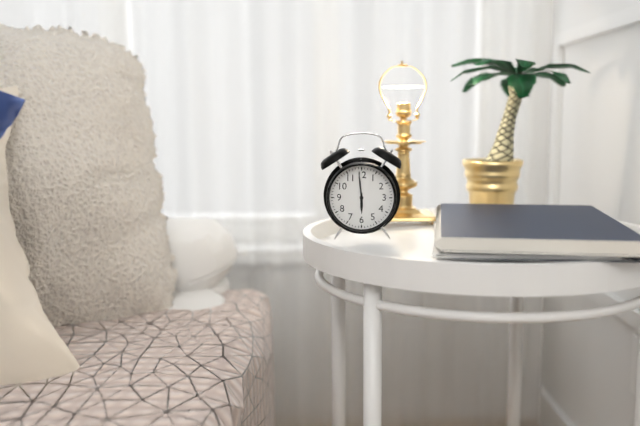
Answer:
**5:59**
